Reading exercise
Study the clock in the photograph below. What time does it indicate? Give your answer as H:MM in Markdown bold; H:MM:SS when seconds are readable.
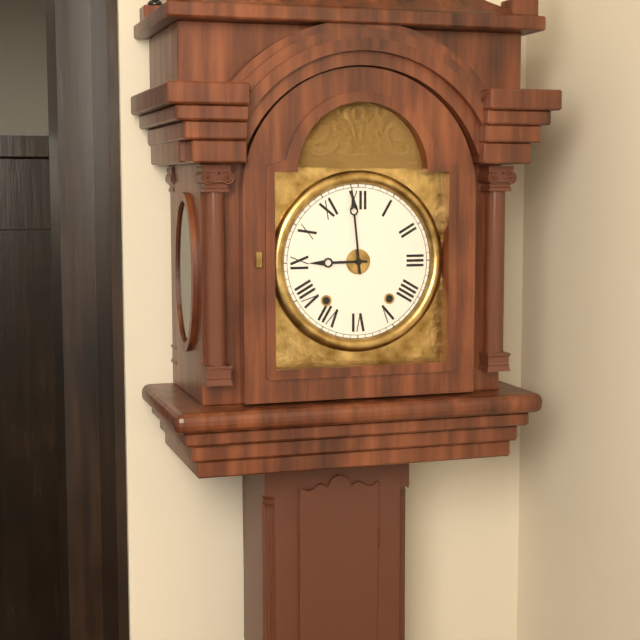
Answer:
**8:59**
